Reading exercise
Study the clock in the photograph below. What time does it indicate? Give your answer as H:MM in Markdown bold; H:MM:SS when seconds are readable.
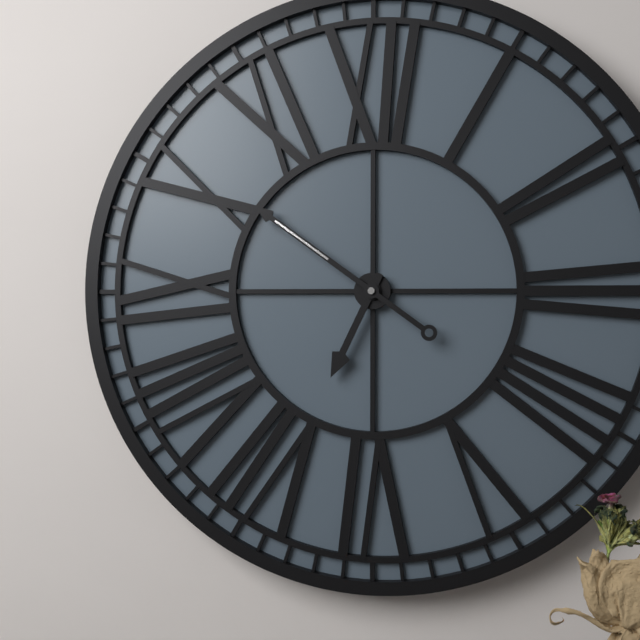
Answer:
**6:51**
